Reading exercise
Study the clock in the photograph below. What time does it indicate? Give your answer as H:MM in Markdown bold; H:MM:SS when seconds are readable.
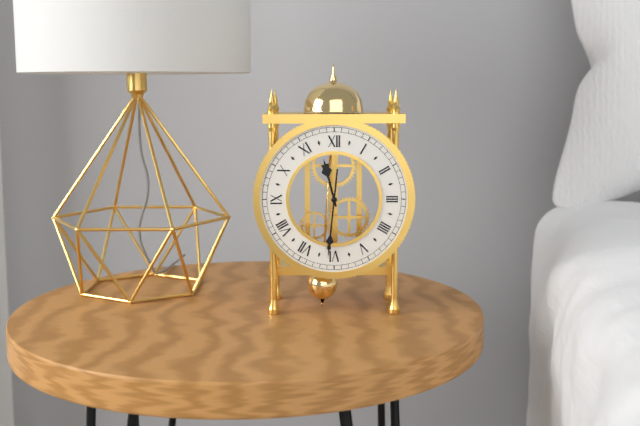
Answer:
**11:31**
